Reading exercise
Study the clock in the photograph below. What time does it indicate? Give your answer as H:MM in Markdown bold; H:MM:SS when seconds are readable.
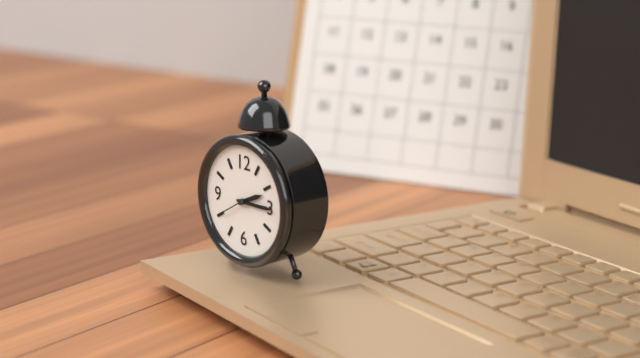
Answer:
**2:15:40**
